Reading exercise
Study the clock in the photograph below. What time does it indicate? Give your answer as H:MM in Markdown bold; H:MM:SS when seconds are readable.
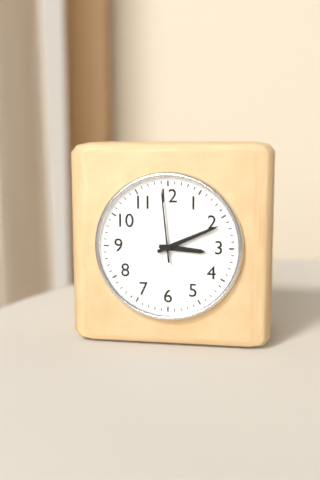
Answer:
**3:11:59**
